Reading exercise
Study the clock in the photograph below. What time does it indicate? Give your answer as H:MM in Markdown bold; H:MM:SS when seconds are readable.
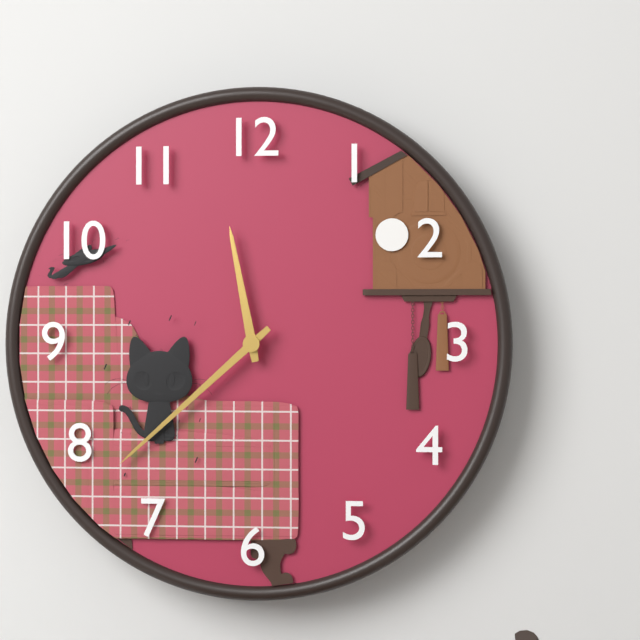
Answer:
**11:38**
